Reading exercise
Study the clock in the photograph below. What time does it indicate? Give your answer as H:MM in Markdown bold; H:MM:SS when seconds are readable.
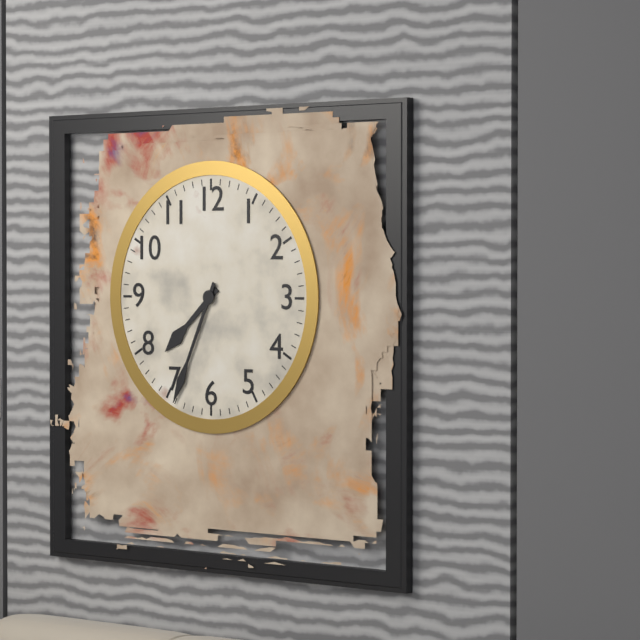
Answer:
**7:34**
